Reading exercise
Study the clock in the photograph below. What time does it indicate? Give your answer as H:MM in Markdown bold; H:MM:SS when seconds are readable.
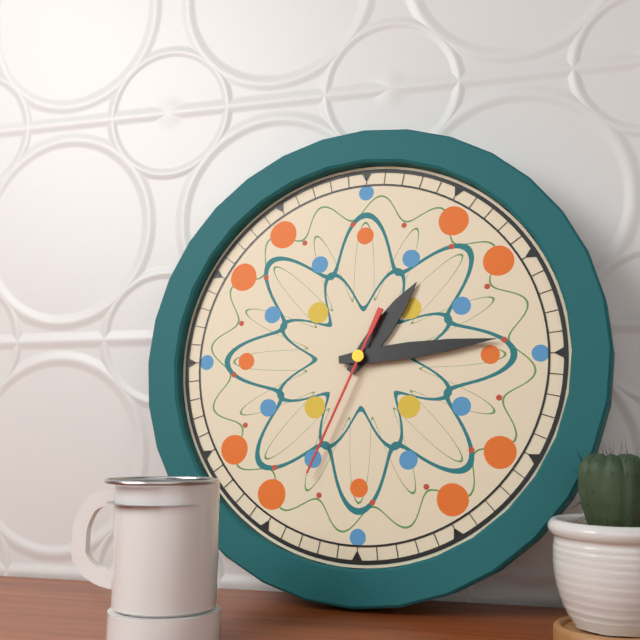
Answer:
**1:14:34**
